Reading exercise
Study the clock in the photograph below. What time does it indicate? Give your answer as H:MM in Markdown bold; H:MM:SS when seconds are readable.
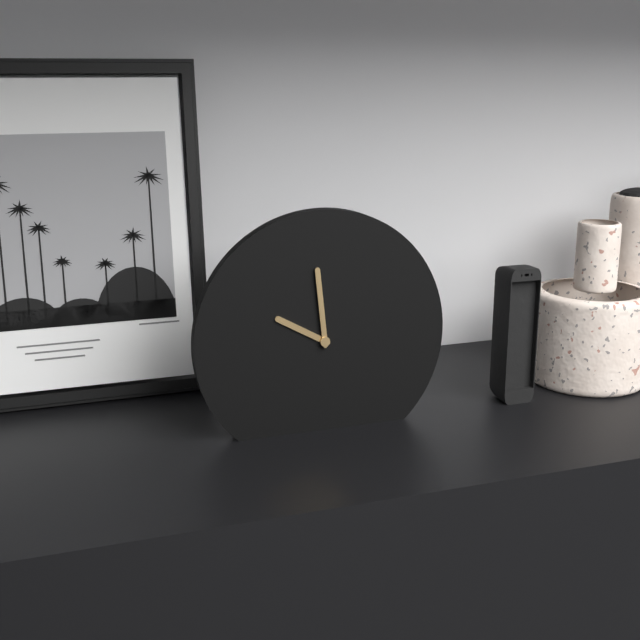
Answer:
**9:59**
